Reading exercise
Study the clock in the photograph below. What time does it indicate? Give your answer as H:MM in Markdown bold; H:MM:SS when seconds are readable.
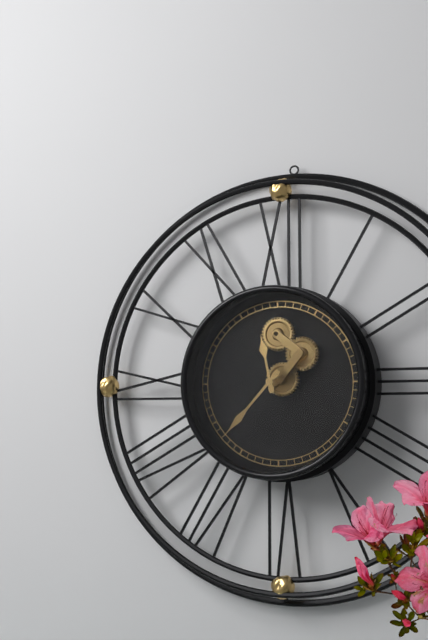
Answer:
**11:37**
